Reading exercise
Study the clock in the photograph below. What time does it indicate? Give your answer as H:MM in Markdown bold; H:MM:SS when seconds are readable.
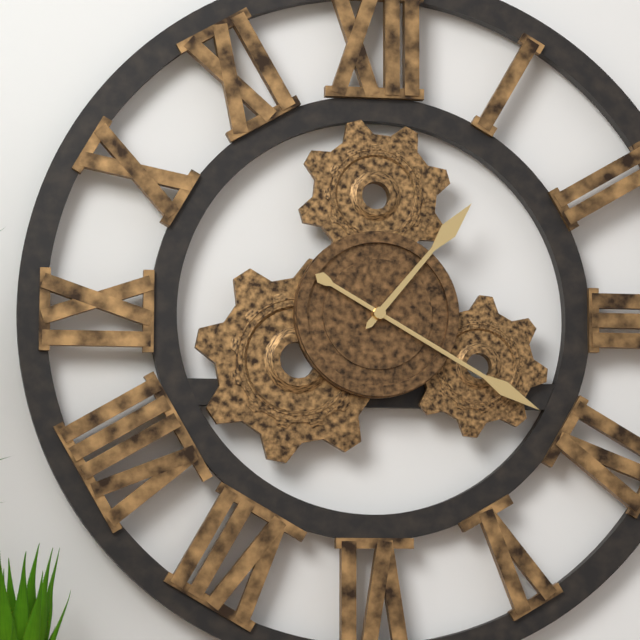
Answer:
**1:20**
